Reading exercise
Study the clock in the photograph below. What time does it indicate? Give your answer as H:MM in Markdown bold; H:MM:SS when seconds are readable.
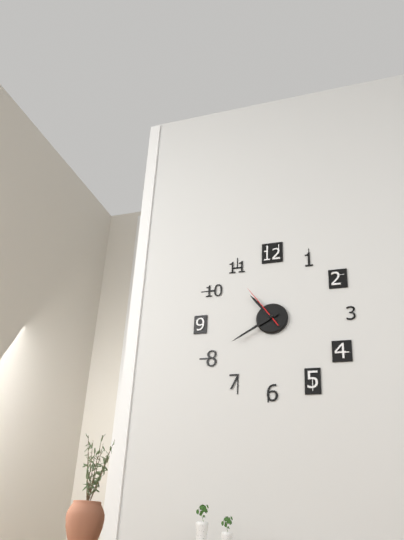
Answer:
**10:40:54**
